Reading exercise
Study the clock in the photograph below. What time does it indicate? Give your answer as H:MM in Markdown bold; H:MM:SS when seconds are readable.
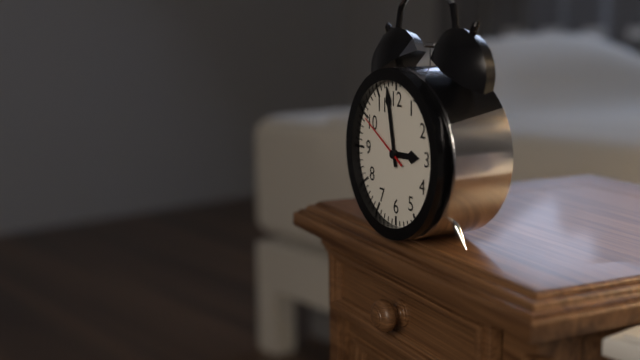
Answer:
**2:58:50**
